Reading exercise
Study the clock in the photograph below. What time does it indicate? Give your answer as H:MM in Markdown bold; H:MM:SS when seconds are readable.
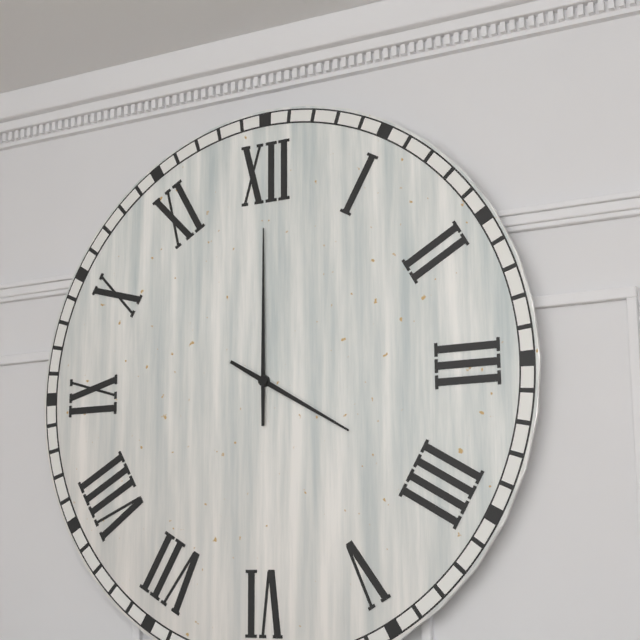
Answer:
**4:00**
